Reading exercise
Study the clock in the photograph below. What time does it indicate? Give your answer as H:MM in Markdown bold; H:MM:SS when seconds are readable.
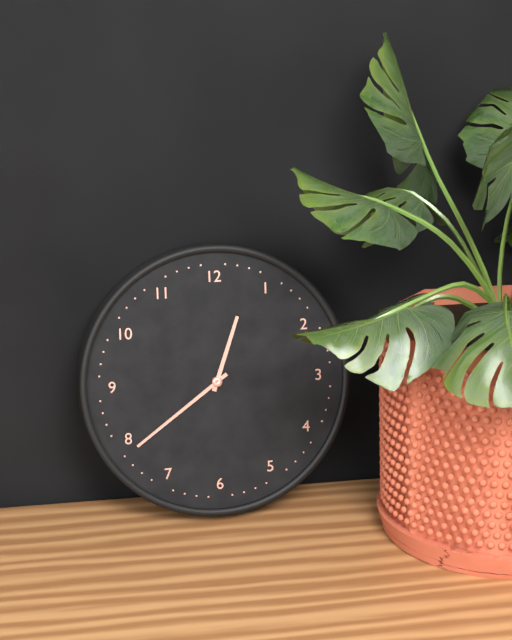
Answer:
**12:39**
